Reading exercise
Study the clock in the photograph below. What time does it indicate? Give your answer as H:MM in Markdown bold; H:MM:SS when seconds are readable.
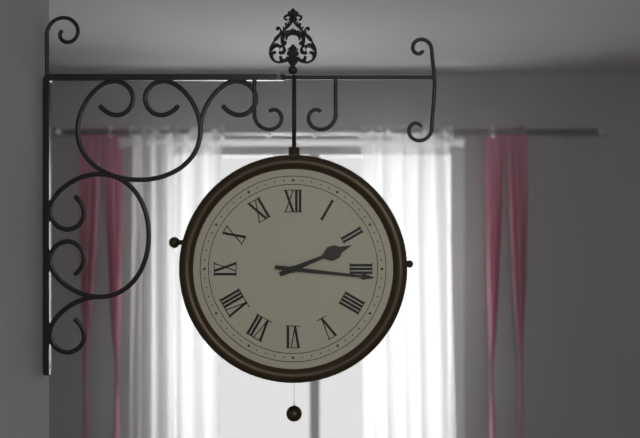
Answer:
**2:16**
